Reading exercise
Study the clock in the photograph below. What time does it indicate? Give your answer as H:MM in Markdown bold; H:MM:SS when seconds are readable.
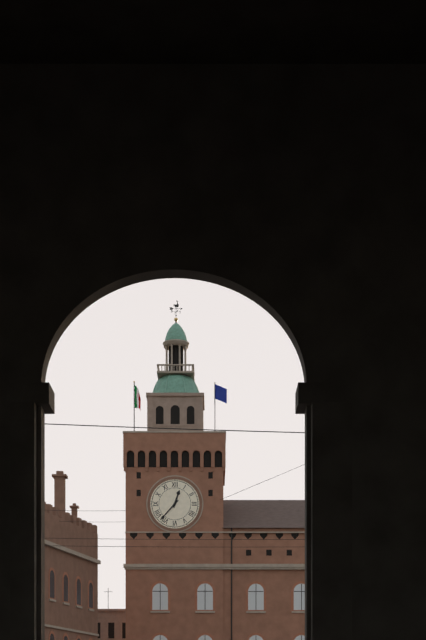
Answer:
**12:37**
